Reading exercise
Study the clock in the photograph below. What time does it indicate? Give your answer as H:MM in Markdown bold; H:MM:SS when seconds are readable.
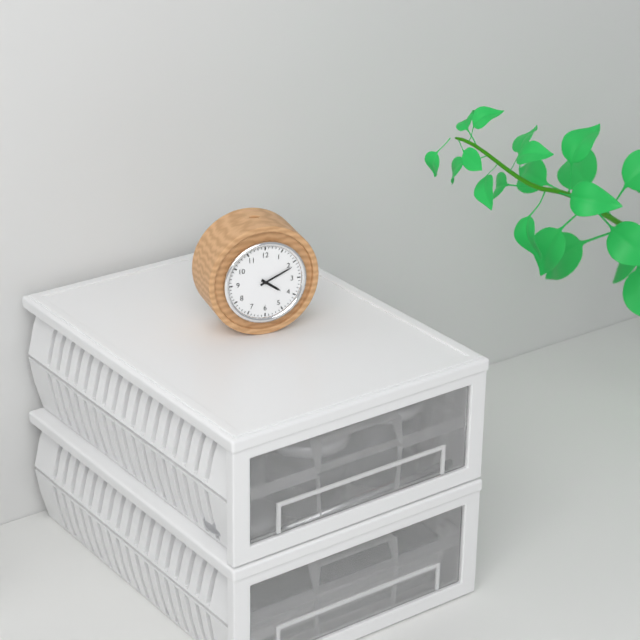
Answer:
**4:11**
